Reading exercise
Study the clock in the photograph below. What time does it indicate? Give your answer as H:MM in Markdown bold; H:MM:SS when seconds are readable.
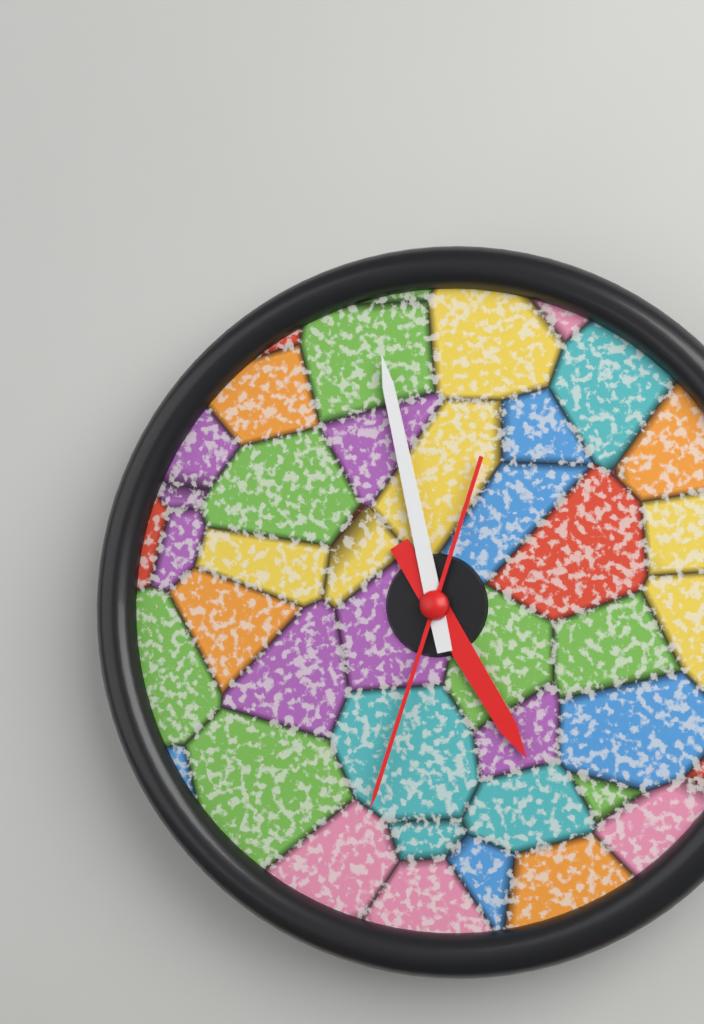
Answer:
**4:58:33**
